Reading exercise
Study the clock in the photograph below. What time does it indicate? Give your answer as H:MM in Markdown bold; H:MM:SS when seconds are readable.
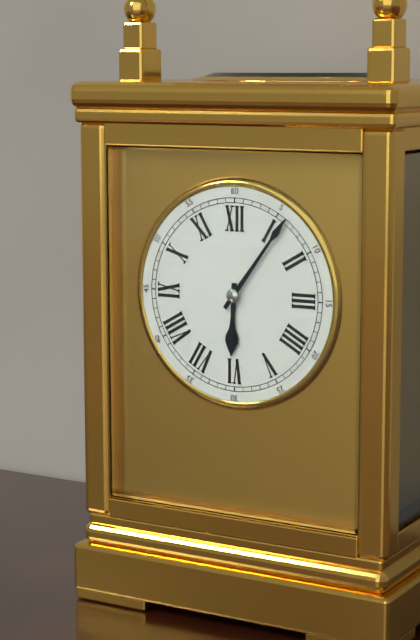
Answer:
**6:06**
